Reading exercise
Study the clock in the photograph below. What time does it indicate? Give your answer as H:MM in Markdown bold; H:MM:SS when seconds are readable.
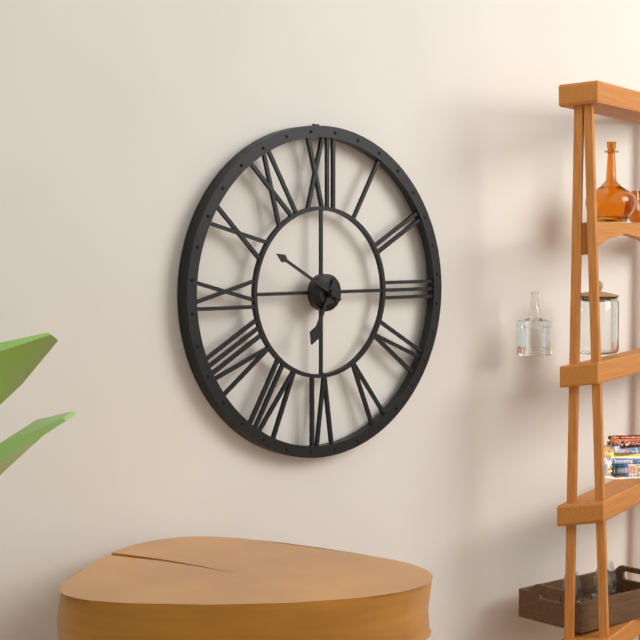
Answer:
**6:50**
